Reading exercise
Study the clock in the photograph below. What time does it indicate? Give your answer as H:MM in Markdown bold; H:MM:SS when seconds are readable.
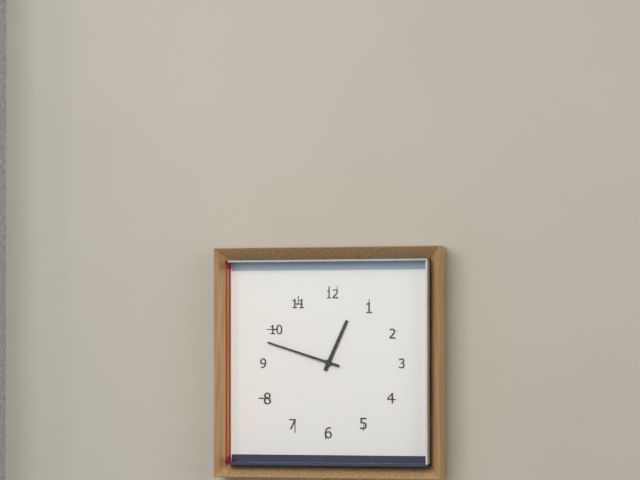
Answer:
**12:48**
